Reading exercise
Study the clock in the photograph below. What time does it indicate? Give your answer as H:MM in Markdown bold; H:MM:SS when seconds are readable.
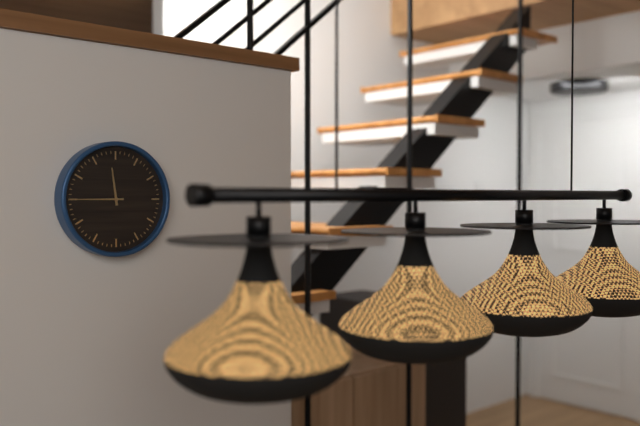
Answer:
**11:45**
